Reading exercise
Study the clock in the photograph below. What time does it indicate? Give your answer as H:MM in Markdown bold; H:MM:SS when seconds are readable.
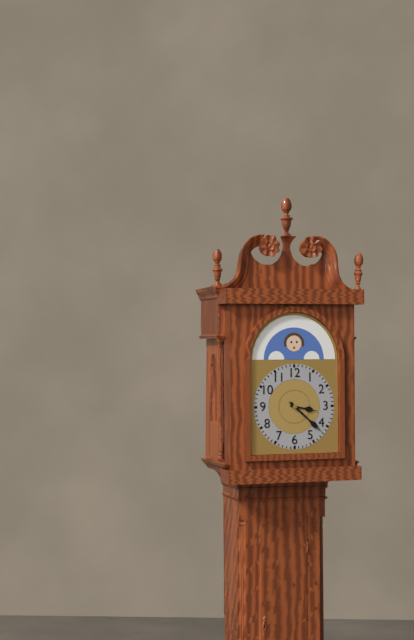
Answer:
**3:22**
